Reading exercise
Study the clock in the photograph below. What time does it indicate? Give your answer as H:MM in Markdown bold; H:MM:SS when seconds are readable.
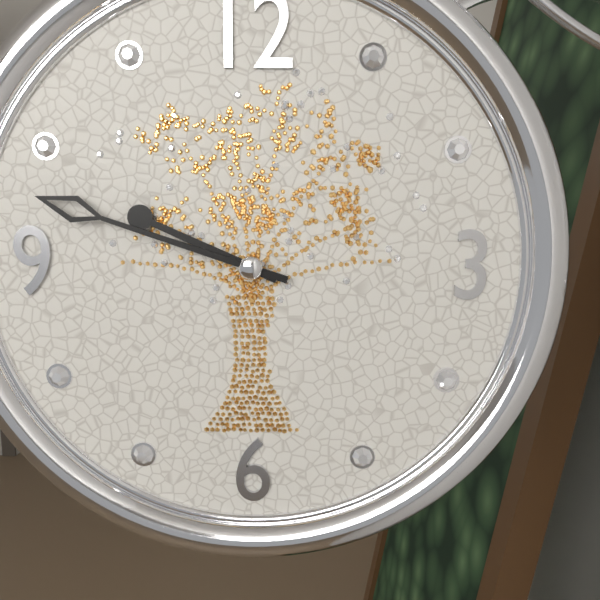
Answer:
**9:48**
